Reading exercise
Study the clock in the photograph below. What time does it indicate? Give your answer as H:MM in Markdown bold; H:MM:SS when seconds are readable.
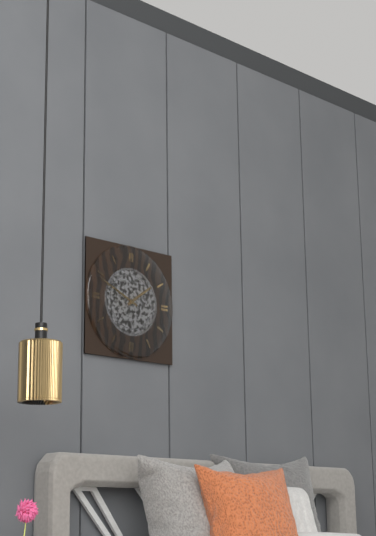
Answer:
**1:49**
